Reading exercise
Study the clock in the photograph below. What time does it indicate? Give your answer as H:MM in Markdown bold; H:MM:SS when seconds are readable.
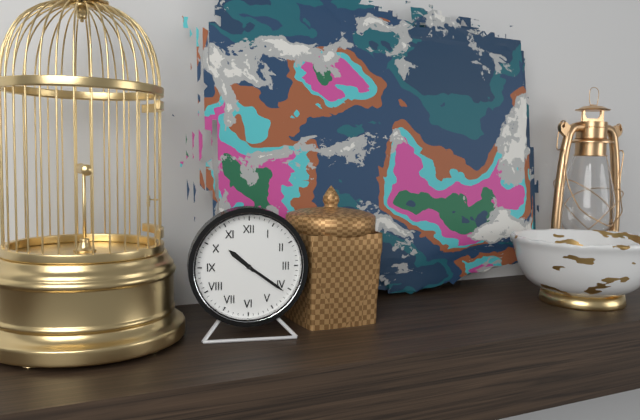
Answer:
**10:21**
